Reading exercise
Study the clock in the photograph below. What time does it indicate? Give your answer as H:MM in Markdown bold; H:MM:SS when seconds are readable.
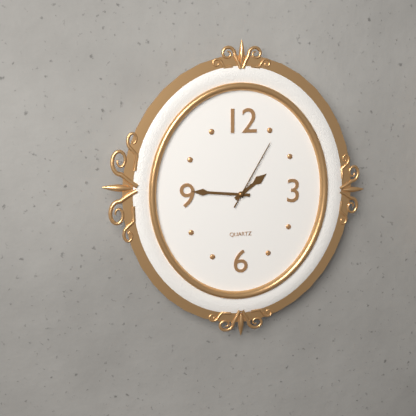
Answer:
**1:46:05**
